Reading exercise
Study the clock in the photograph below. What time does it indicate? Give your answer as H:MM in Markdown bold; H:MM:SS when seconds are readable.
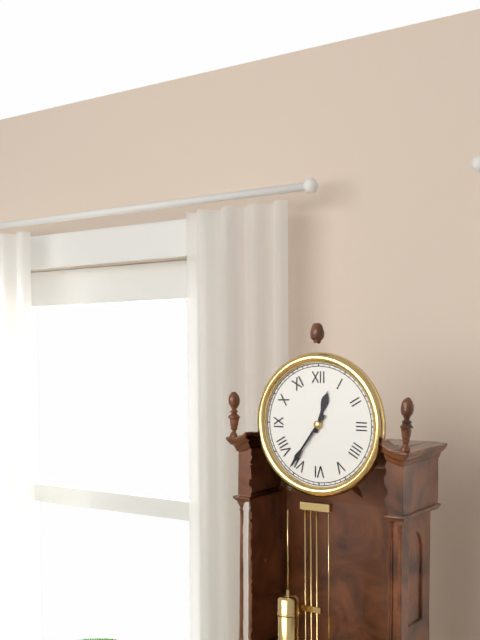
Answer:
**12:36**
